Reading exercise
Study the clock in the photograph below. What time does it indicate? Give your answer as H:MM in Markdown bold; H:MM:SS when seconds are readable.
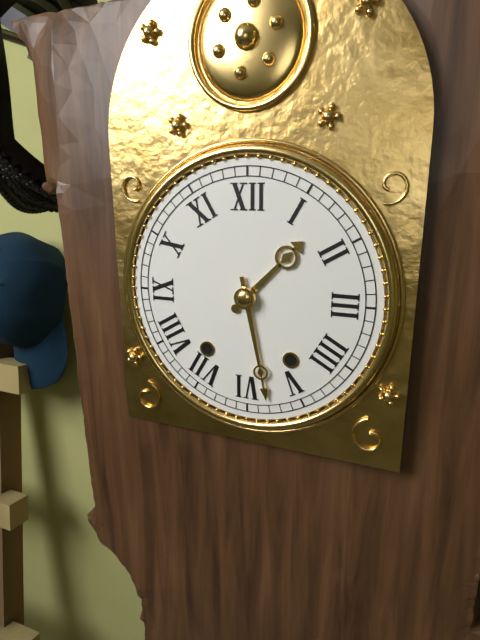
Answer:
**1:28**
